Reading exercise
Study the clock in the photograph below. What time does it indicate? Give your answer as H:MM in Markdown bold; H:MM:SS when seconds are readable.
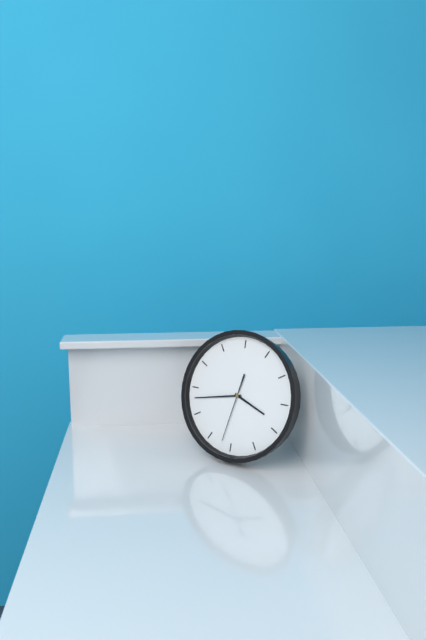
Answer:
**3:43:32**
